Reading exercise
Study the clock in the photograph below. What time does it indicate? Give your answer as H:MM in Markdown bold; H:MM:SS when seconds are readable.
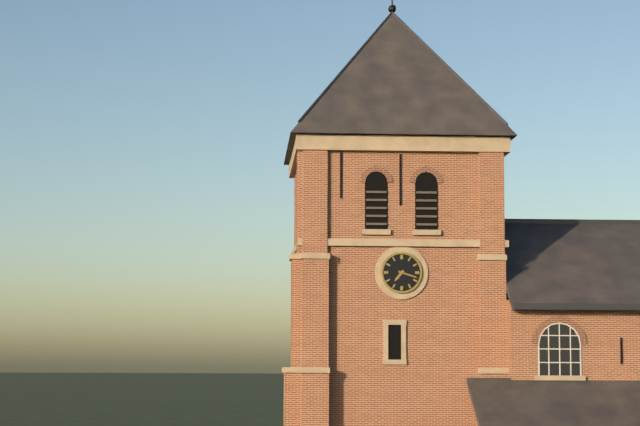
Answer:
**7:18**
